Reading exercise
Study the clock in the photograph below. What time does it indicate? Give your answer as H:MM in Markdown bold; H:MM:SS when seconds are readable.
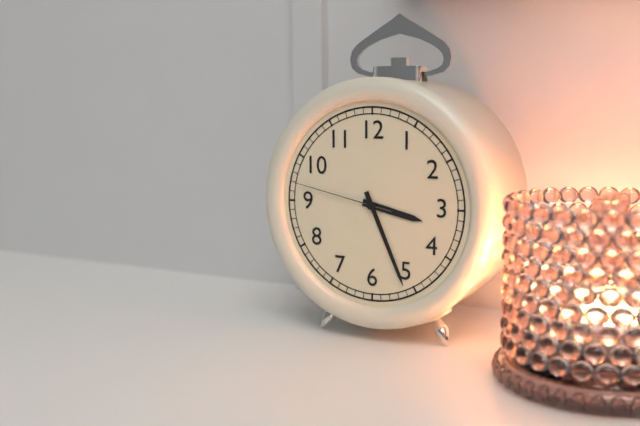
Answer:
**3:26:47**
